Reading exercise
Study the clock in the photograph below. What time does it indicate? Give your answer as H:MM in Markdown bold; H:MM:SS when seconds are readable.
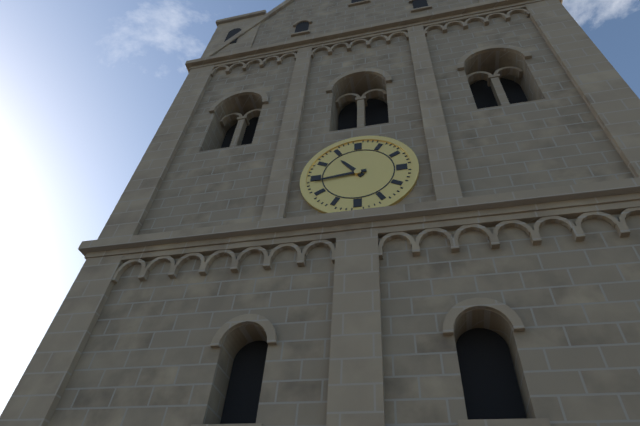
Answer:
**10:44**
